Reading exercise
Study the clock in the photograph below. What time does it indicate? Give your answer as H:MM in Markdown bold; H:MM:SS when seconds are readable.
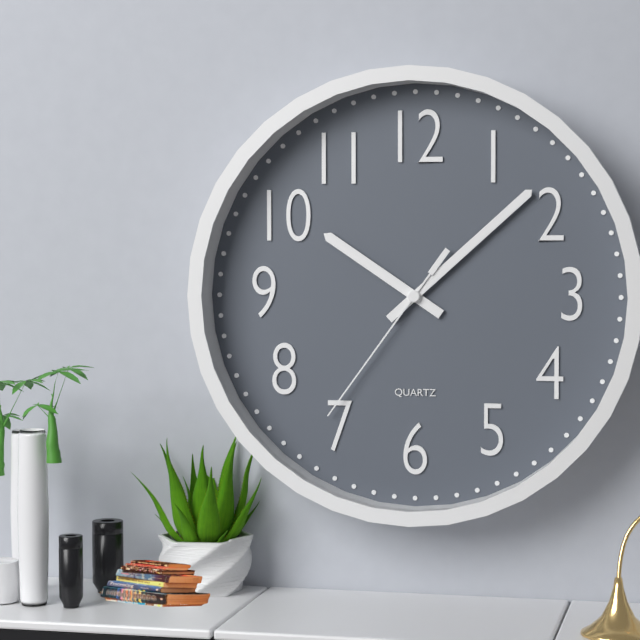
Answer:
**10:08:36**
